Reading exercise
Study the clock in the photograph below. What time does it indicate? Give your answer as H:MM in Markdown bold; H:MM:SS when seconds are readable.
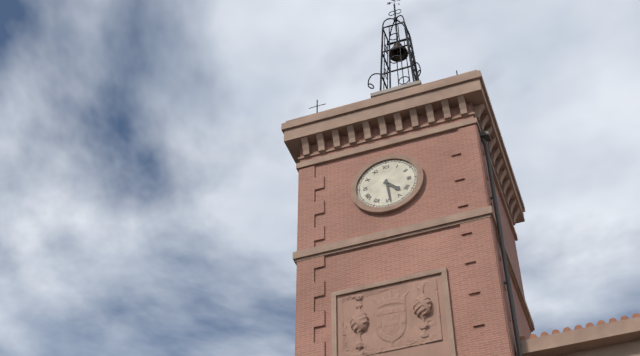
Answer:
**4:29**
